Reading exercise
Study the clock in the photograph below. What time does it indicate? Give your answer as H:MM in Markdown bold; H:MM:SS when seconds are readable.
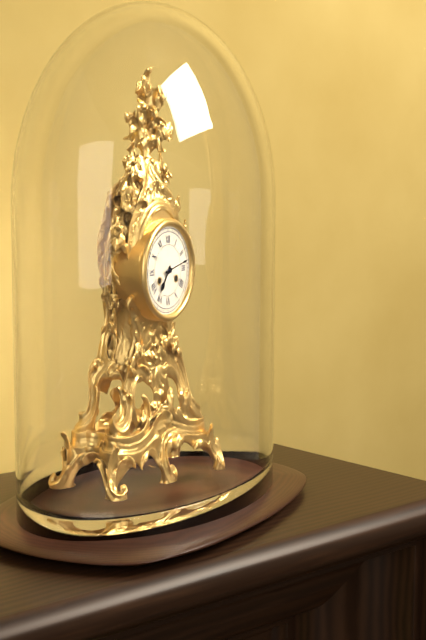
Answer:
**7:13**
